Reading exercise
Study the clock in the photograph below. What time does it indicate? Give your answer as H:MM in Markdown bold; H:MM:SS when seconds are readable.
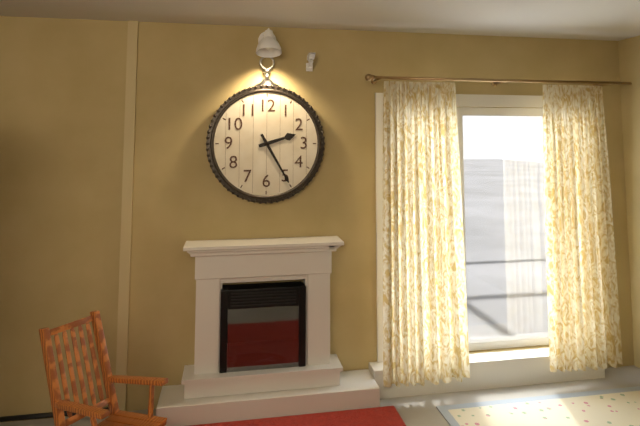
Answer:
**2:25**
